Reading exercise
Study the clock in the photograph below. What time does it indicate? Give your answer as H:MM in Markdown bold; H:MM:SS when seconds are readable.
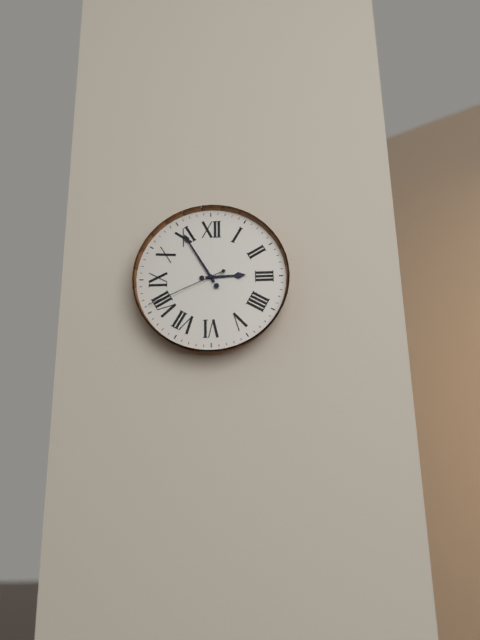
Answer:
**2:55:41**
